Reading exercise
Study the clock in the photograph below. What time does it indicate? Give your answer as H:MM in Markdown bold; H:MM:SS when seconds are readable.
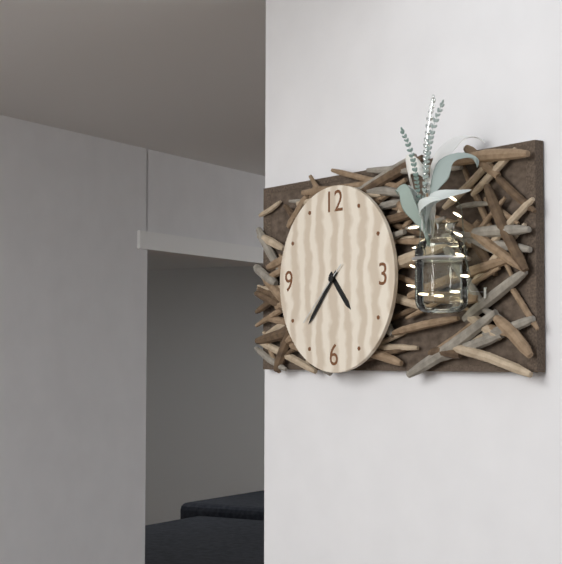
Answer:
**4:37:38**
